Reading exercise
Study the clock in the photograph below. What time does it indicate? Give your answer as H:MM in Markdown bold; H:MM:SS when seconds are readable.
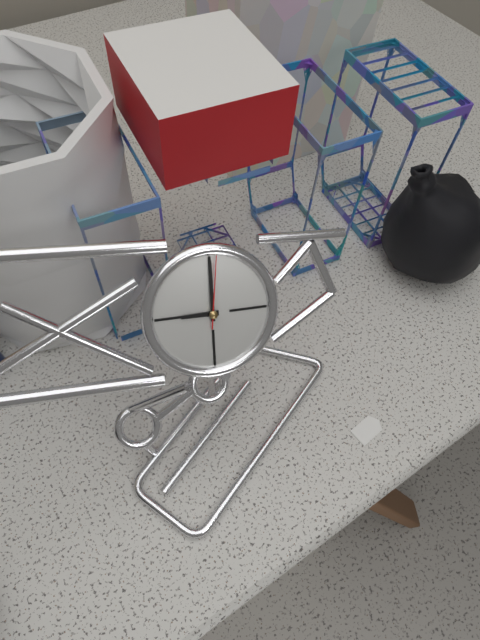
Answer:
**9:00:01**
